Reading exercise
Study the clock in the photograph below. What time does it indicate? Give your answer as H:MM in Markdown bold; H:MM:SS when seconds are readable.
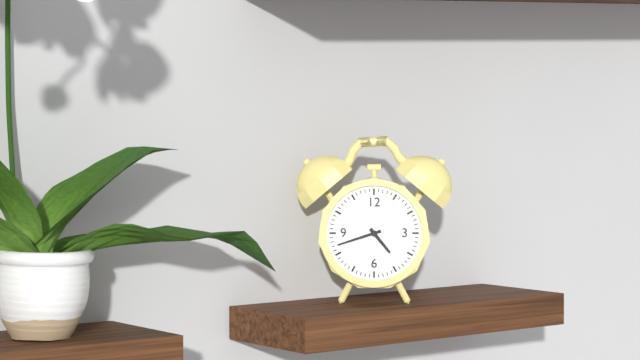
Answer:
**4:42**
